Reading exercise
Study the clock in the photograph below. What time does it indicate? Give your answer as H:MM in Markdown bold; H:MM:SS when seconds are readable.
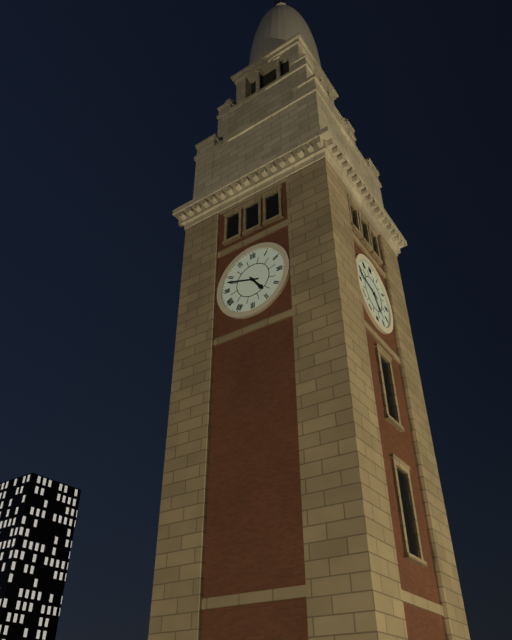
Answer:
**4:48**
